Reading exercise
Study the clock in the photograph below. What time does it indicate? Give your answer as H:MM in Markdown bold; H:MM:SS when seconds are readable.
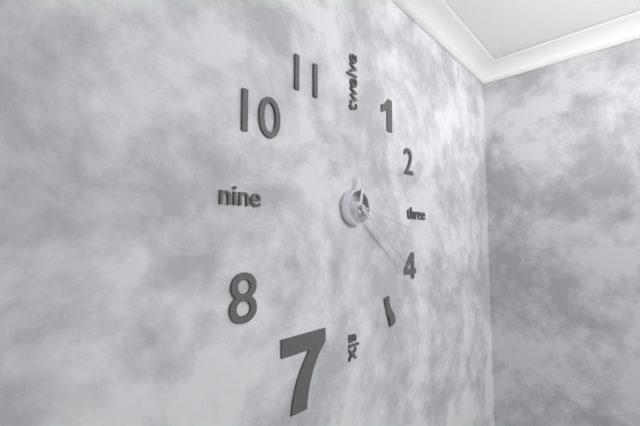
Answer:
**12:21:17**
